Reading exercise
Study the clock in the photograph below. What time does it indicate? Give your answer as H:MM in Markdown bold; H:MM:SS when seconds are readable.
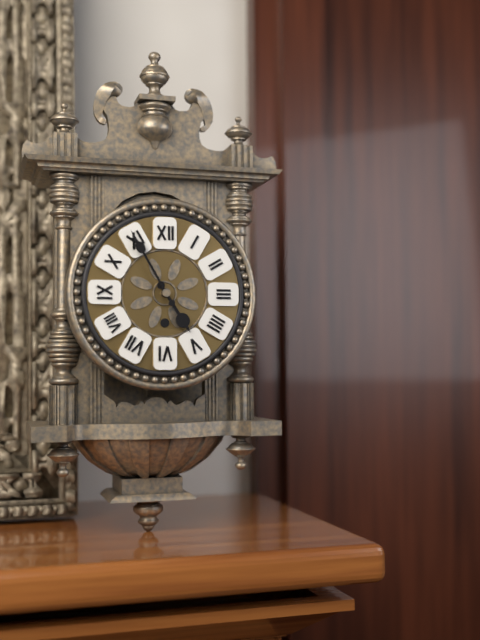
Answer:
**4:55**
